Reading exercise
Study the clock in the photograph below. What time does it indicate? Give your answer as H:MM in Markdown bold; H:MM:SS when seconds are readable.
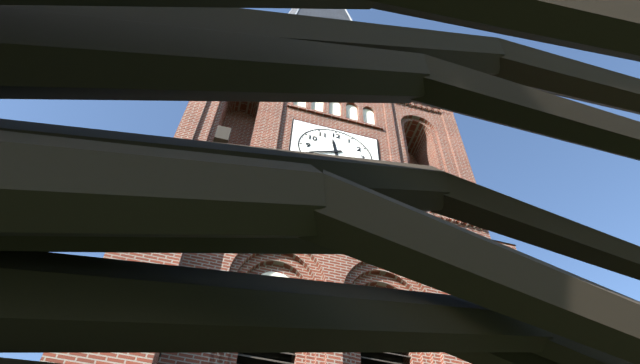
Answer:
**11:41**
